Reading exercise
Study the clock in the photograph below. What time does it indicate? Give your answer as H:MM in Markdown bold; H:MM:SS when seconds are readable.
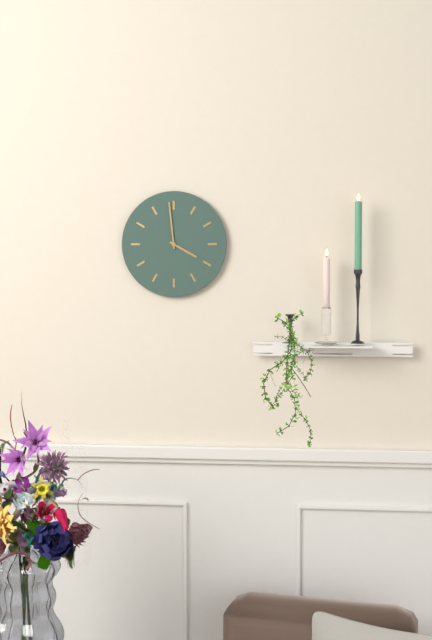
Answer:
**3:59**
